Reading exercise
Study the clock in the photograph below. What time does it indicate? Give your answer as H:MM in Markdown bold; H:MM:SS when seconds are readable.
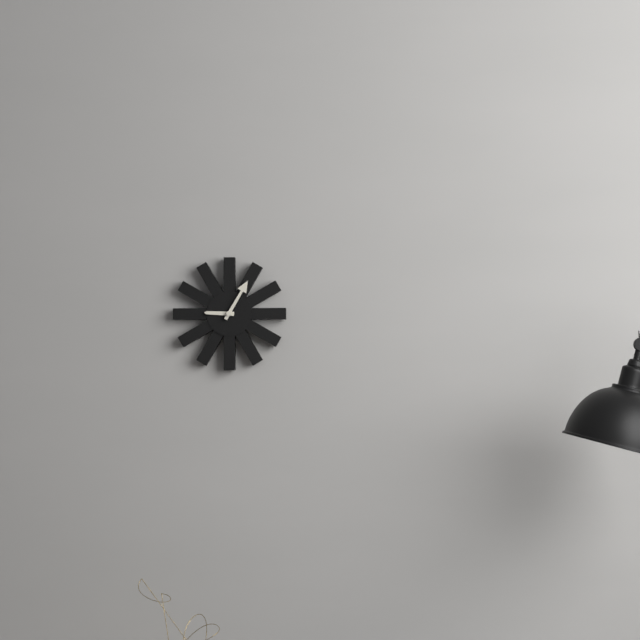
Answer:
**9:05**
